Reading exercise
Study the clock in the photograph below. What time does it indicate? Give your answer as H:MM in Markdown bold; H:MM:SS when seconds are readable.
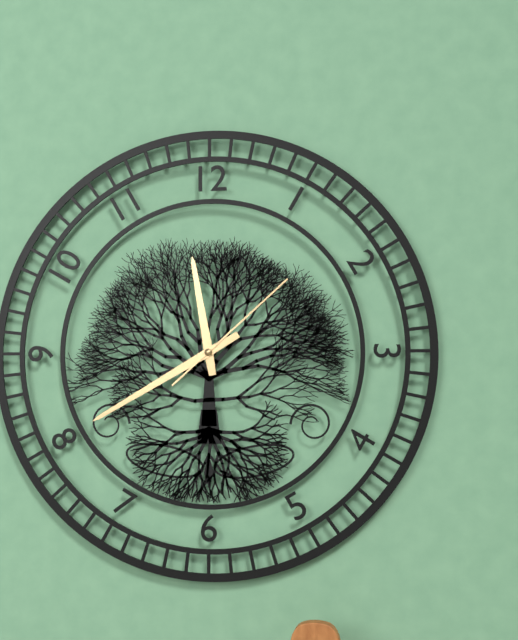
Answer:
**11:40:08**
